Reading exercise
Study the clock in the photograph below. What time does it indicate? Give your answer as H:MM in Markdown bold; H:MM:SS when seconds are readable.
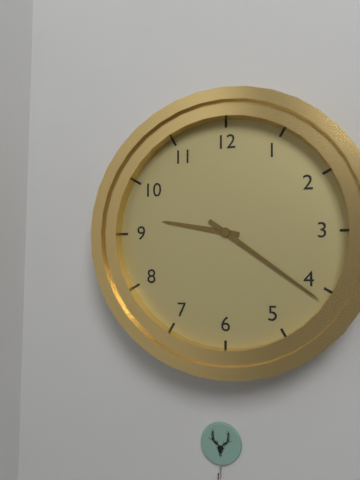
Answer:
**9:21**
